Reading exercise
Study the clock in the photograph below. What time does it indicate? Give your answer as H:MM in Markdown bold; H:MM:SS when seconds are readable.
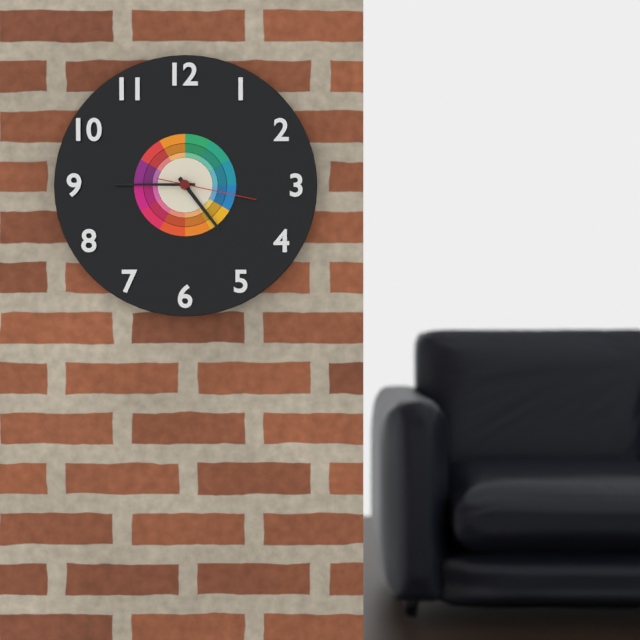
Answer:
**4:45:17**
